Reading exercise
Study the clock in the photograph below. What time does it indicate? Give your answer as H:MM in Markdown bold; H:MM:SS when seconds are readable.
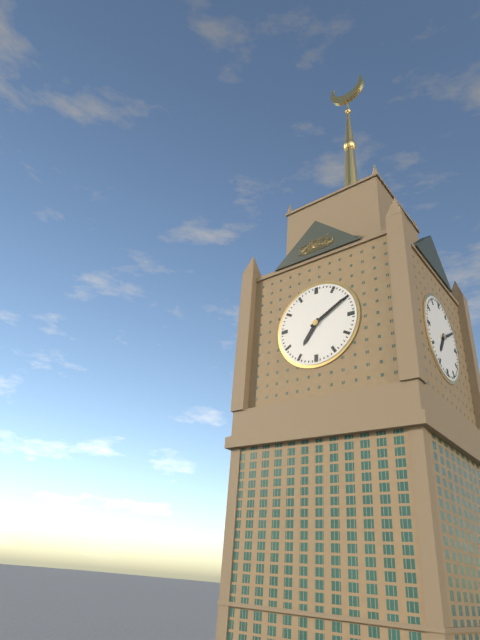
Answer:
**7:10**
